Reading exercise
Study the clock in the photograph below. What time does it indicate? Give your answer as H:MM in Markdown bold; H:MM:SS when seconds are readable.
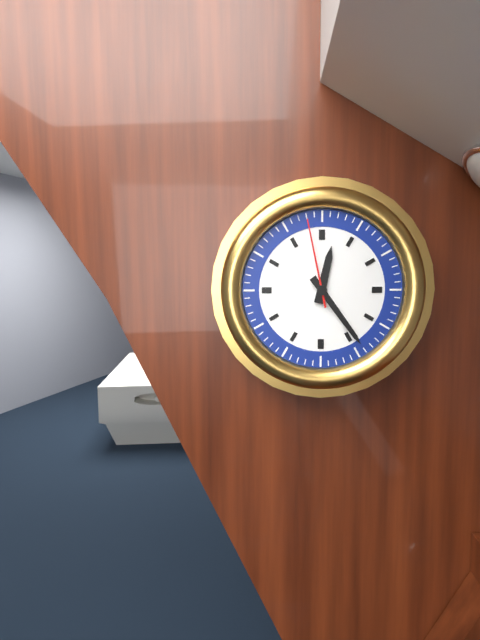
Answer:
**12:24:58**
